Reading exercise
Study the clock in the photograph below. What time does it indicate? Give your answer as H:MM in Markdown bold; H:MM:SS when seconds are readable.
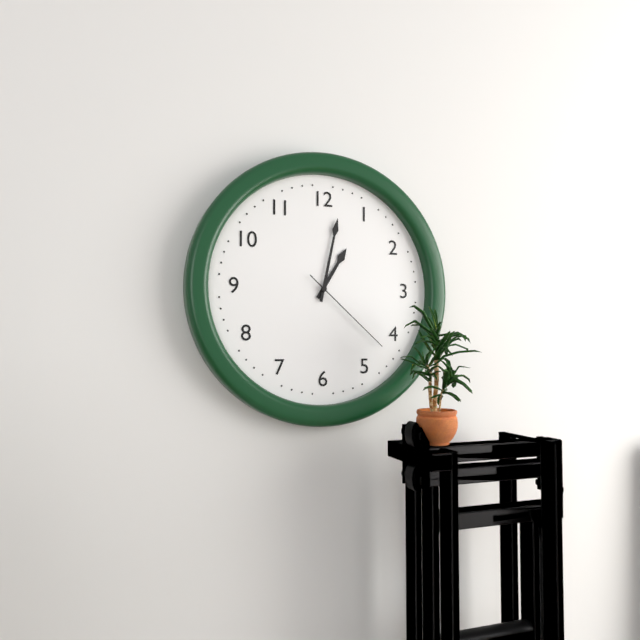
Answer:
**1:02:22**
